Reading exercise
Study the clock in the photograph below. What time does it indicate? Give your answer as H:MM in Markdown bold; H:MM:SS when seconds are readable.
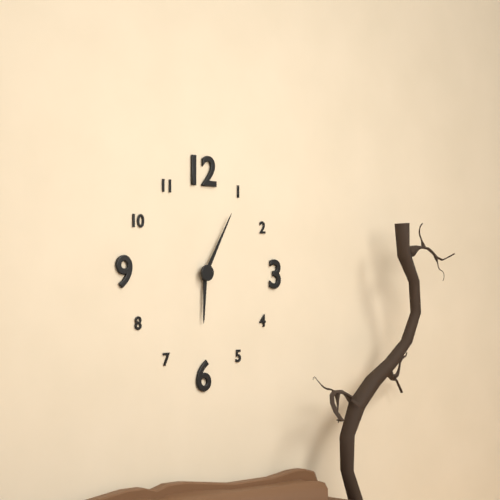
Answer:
**6:05**
